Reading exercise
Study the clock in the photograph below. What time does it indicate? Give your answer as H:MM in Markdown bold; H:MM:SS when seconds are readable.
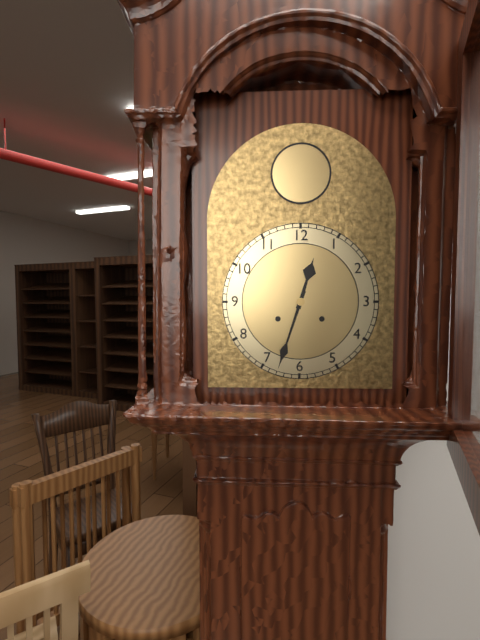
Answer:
**12:33**
